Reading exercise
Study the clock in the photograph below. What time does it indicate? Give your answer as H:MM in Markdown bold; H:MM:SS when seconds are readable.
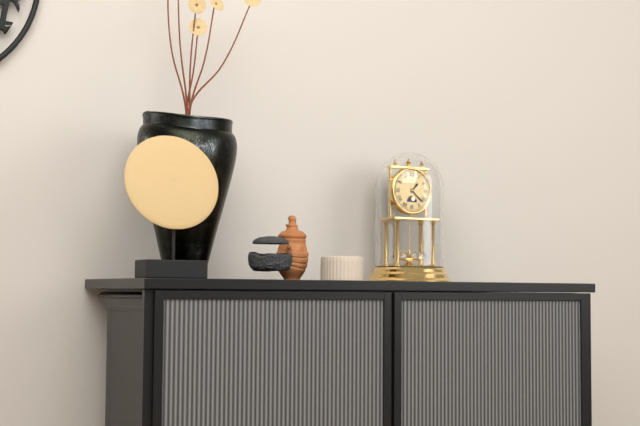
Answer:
**1:22**
